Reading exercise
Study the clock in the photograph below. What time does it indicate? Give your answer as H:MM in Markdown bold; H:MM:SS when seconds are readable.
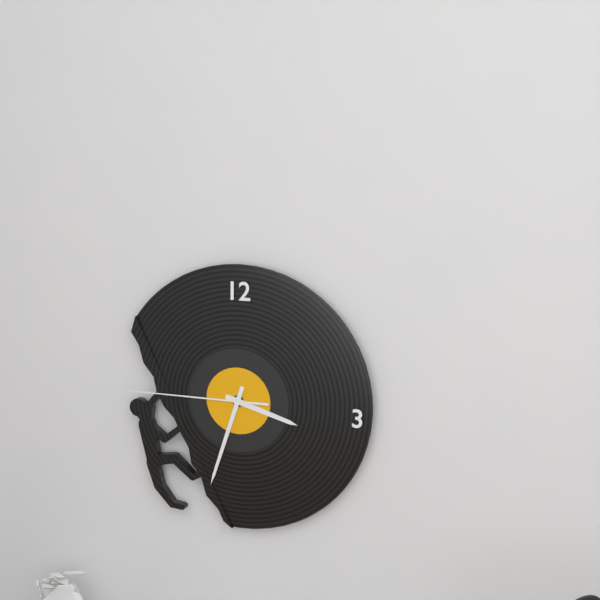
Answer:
**3:33:45**
